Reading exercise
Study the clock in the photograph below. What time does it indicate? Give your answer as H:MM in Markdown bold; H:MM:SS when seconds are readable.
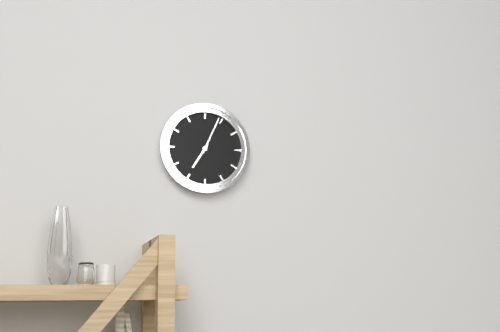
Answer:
**7:04**
